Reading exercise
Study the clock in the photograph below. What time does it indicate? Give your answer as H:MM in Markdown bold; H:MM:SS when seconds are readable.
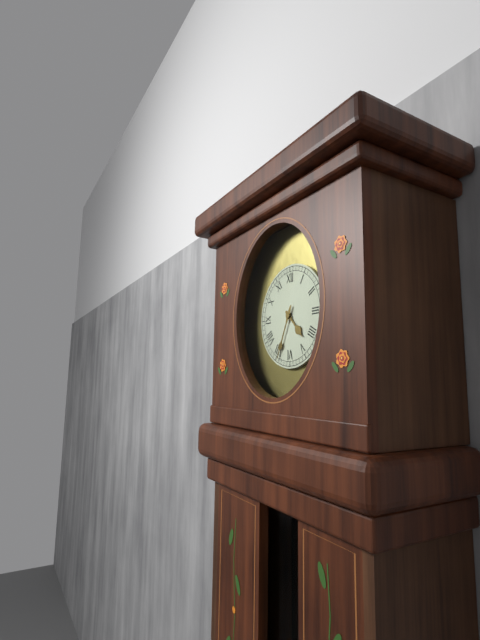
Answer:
**4:34**
